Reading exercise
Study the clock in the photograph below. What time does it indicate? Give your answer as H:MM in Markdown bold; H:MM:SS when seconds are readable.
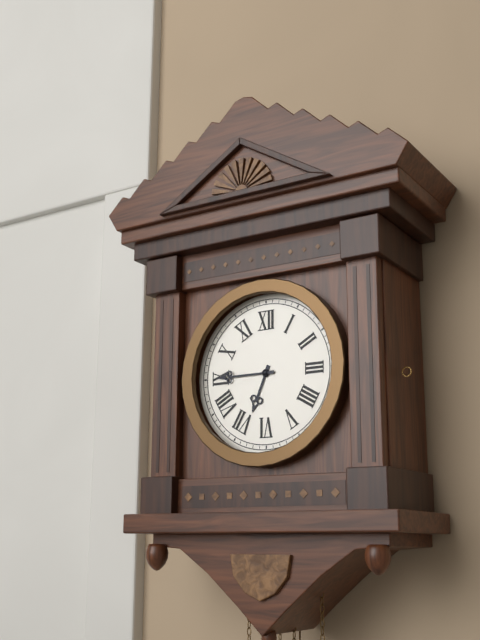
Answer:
**6:45**
